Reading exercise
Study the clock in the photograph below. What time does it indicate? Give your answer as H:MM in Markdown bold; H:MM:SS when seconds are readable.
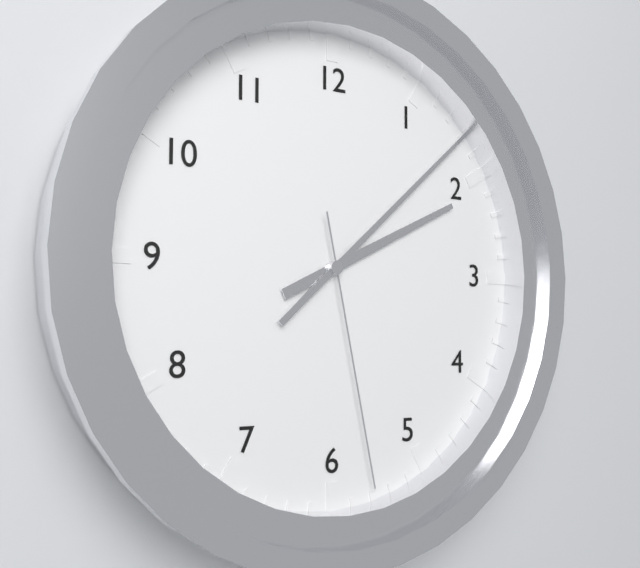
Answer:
**2:08:28**
